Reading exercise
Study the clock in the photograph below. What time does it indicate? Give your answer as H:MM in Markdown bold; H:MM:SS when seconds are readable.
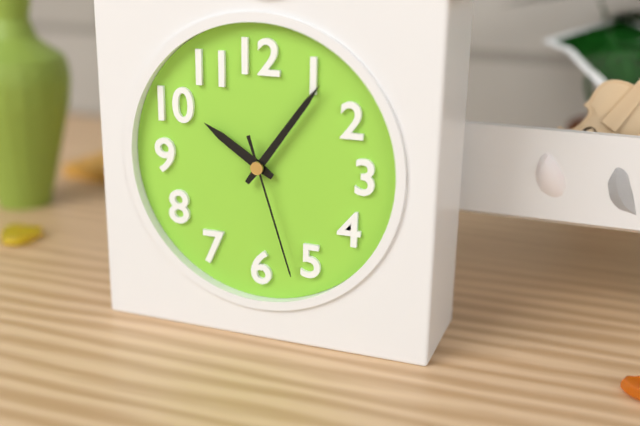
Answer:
**10:06:27**
